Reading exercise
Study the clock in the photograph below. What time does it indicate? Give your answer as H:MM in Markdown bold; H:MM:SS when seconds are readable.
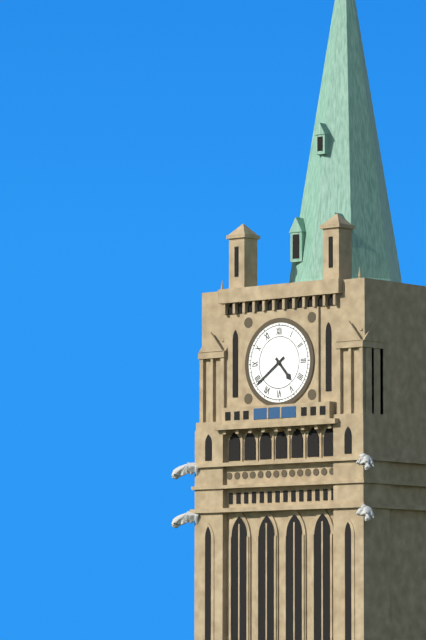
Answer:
**4:39**
